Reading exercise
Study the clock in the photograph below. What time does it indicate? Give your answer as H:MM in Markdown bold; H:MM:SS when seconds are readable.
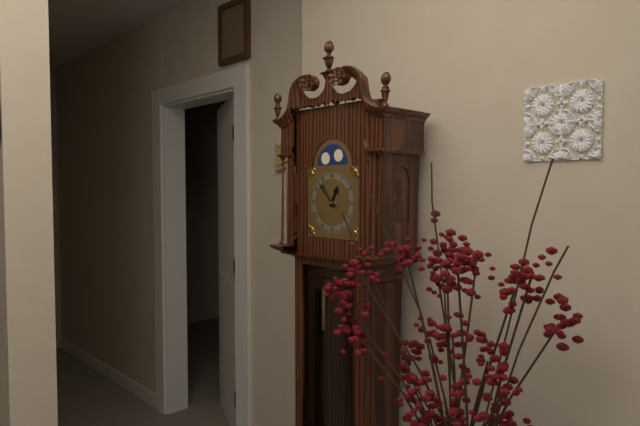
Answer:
**12:53**
